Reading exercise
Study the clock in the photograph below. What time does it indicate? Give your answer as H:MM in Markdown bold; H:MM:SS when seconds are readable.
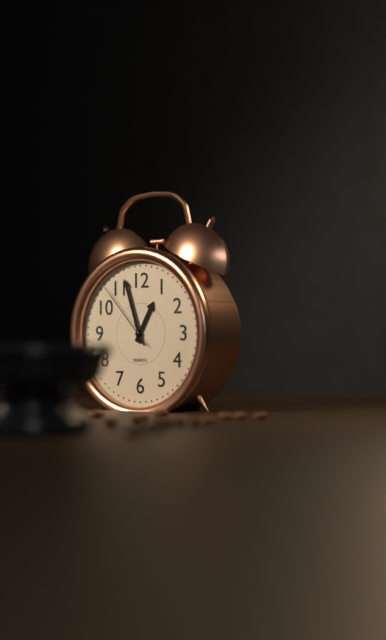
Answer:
**12:57:53**
